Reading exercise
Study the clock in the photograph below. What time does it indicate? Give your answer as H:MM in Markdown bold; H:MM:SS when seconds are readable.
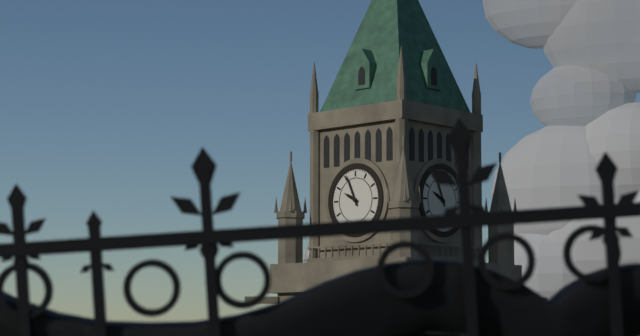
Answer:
**9:56**
